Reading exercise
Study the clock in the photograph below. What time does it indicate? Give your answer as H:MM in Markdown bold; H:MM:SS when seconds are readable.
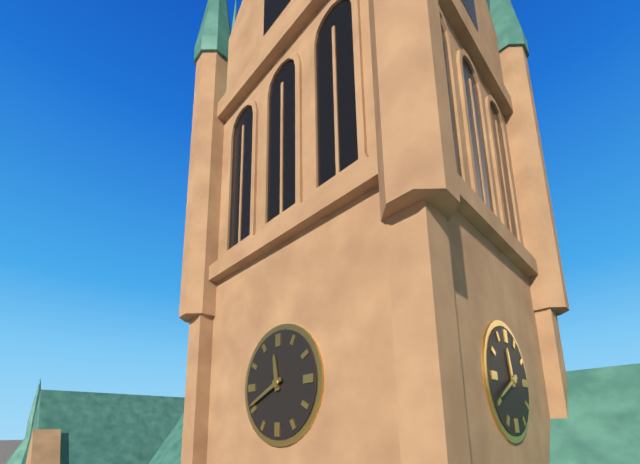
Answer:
**11:41**
